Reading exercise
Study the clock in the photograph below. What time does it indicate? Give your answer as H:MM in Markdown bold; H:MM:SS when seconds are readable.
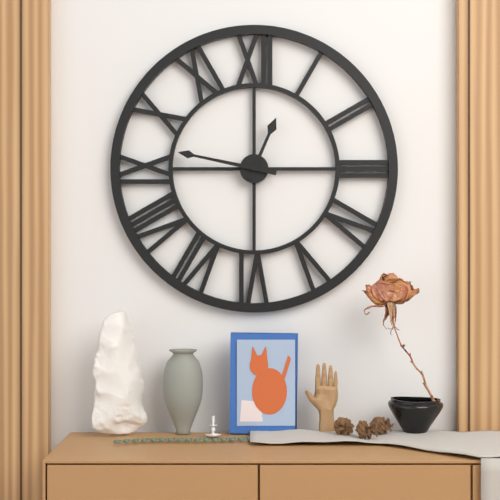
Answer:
**12:47**
